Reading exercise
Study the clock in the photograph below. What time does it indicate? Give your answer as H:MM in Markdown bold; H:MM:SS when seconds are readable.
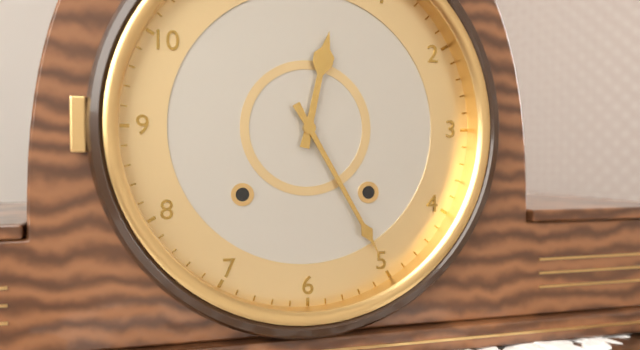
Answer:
**12:25**
